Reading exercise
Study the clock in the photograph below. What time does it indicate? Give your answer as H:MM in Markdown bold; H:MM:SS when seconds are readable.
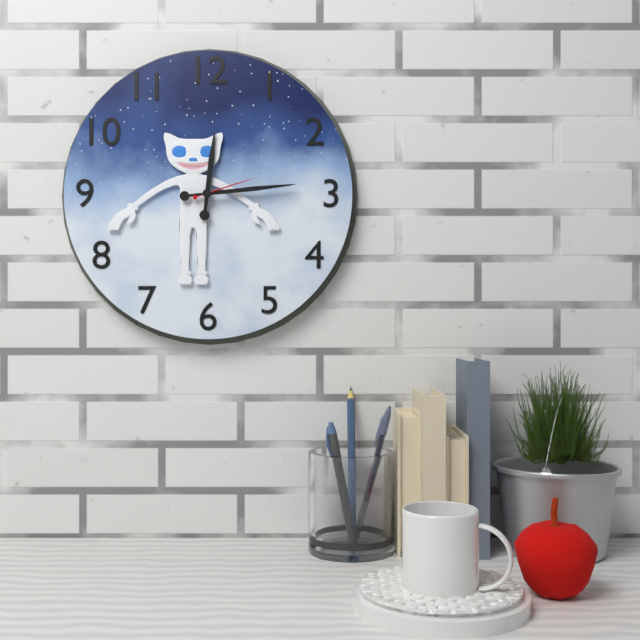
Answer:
**12:14:12**
